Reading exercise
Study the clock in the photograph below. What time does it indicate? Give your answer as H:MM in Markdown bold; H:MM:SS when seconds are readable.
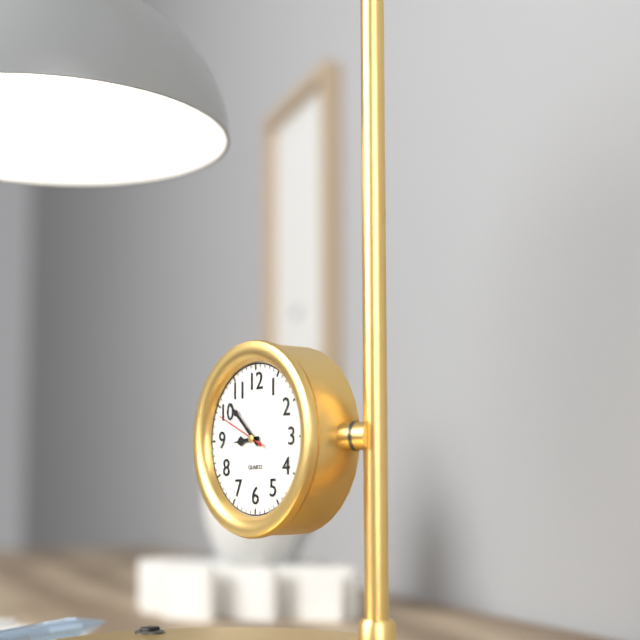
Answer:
**8:52:49**
